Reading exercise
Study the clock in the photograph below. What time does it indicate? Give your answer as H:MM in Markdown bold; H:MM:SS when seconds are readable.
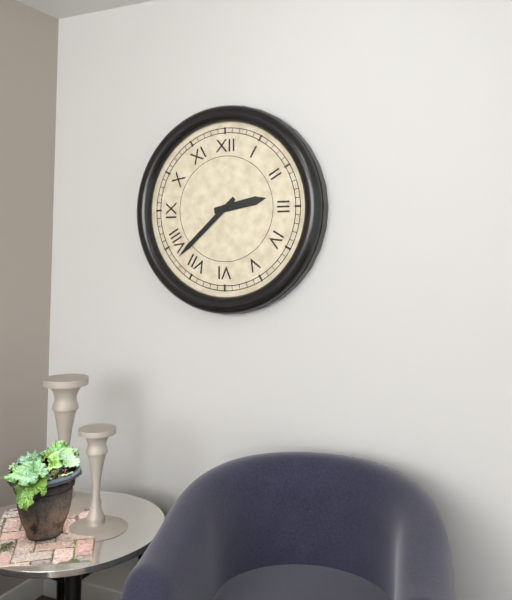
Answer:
**2:38**
